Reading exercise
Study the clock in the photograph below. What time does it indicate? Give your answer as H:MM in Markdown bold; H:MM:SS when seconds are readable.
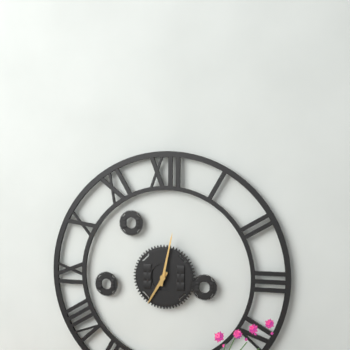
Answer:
**7:02**
